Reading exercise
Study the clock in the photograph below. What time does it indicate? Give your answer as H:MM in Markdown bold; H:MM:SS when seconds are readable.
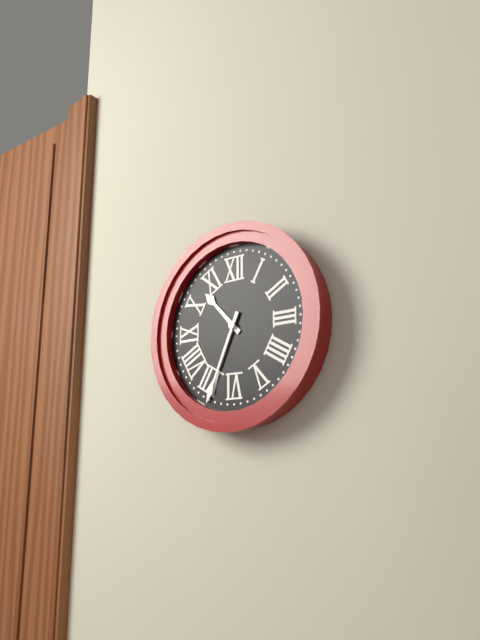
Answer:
**10:34**
